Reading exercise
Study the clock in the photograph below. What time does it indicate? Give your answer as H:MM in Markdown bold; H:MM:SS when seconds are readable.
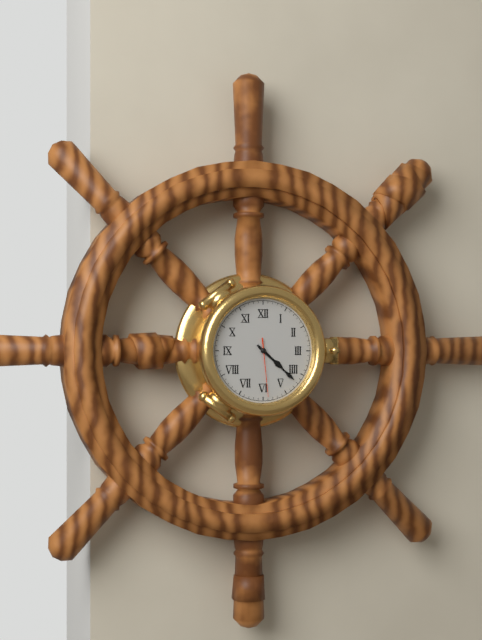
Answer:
**4:22:29**
